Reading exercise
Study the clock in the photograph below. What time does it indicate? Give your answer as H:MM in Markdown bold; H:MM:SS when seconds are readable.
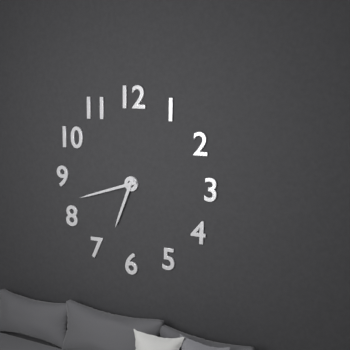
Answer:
**6:42**
